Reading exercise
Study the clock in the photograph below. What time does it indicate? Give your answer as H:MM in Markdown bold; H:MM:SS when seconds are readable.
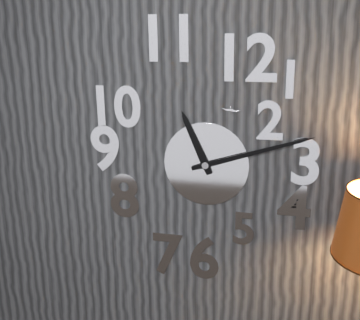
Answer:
**11:12**
